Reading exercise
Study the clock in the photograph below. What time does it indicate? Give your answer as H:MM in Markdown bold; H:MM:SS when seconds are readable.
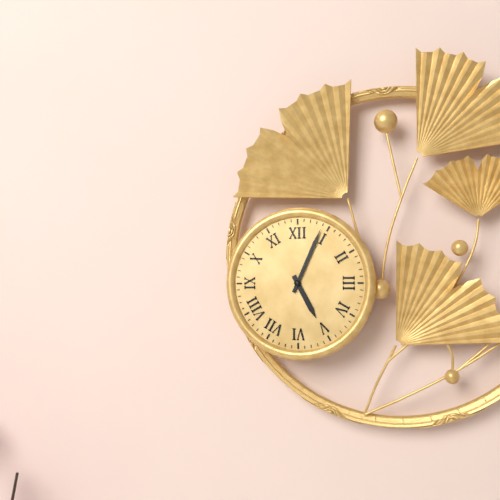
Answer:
**5:04**
